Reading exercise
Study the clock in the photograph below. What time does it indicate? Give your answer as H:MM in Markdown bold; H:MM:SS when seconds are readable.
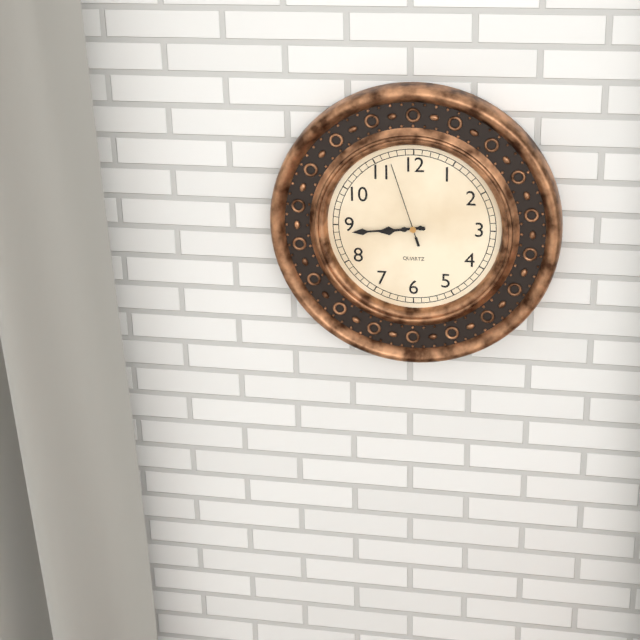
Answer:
**8:44:57**
